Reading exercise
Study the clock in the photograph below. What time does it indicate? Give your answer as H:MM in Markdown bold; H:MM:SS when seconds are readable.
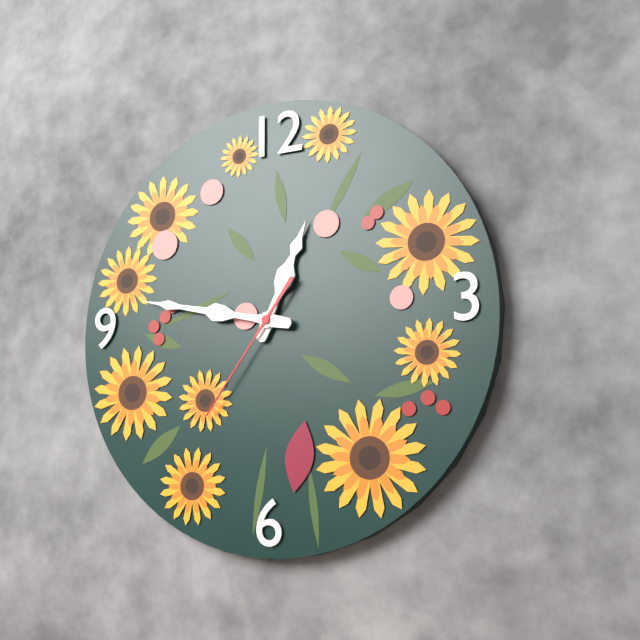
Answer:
**12:47:36**
